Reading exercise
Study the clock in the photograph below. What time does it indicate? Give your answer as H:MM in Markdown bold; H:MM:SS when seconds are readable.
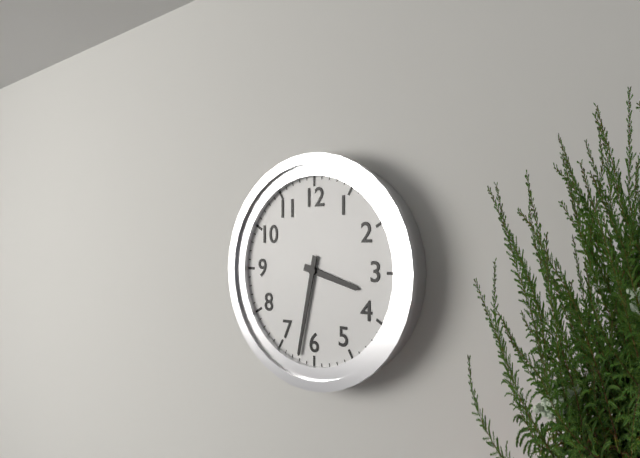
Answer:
**3:32**
